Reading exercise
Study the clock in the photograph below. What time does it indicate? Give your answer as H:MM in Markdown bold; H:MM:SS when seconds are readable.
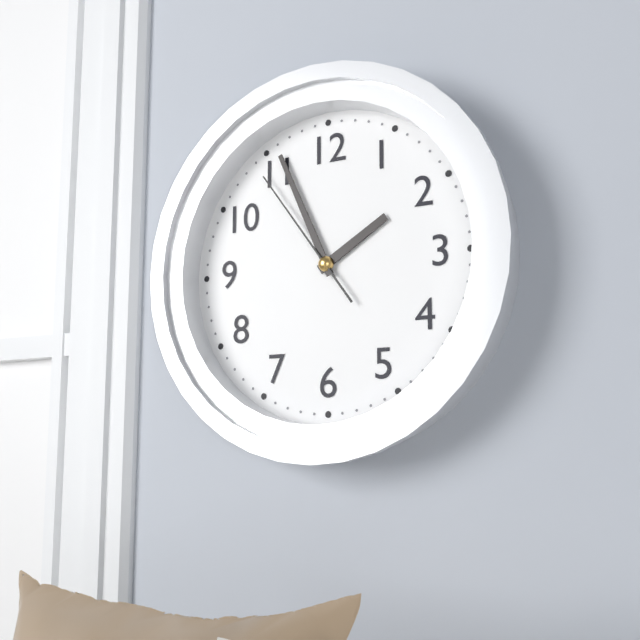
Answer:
**1:56:54**
